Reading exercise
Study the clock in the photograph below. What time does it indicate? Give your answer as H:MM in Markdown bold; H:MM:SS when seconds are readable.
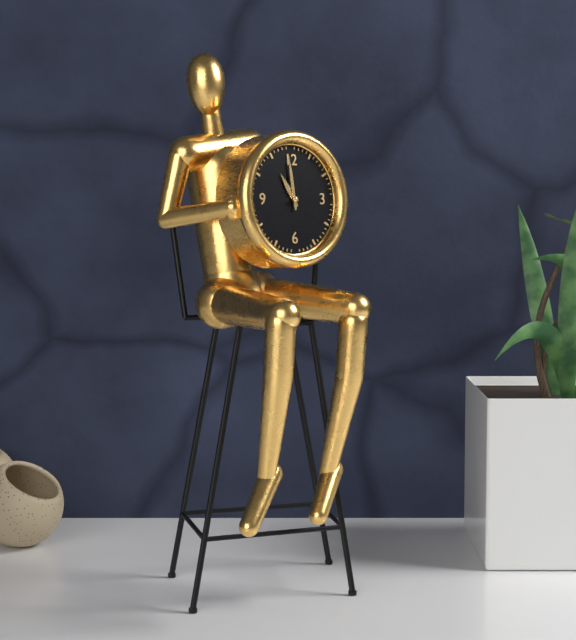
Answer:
**10:59**
